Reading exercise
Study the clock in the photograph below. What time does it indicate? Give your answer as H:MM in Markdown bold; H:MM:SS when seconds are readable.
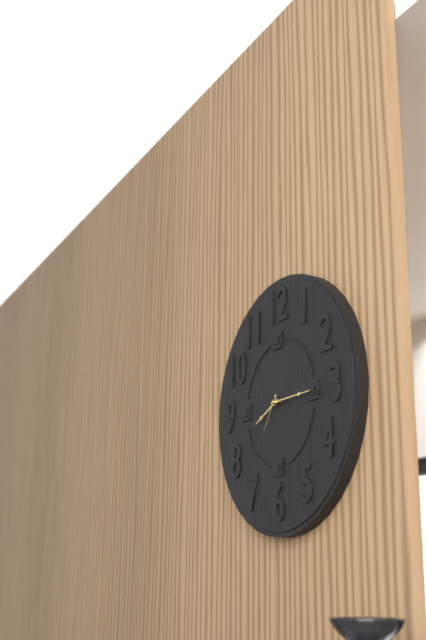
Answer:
**8:15**
